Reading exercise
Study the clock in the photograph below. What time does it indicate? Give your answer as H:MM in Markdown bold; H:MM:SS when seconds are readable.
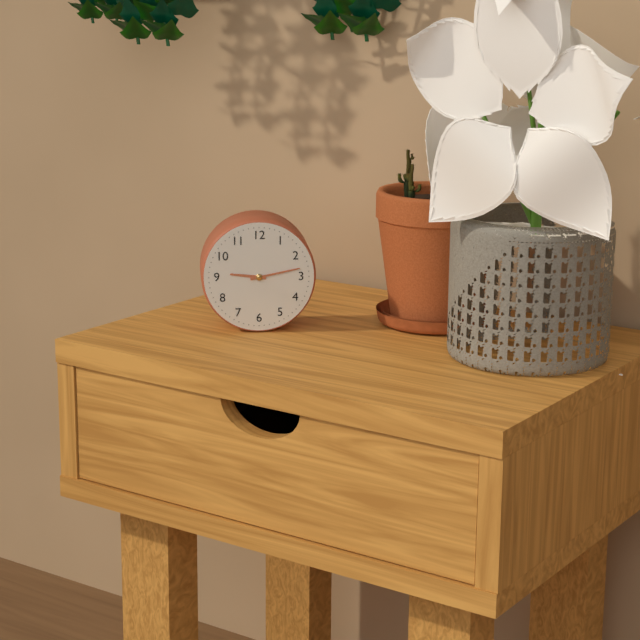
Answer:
**9:13**
